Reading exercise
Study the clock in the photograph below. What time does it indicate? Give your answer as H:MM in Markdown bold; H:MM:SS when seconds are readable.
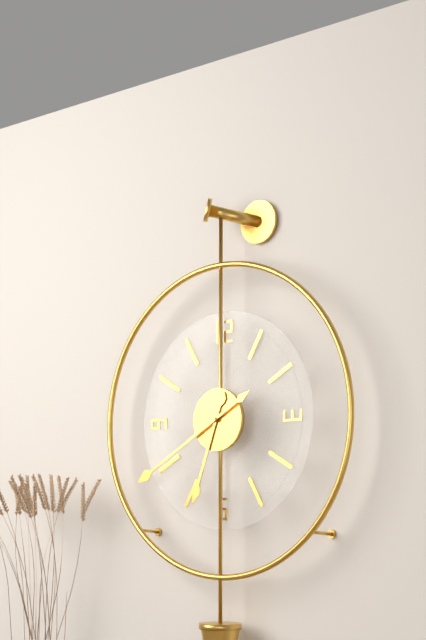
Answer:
**6:40**
